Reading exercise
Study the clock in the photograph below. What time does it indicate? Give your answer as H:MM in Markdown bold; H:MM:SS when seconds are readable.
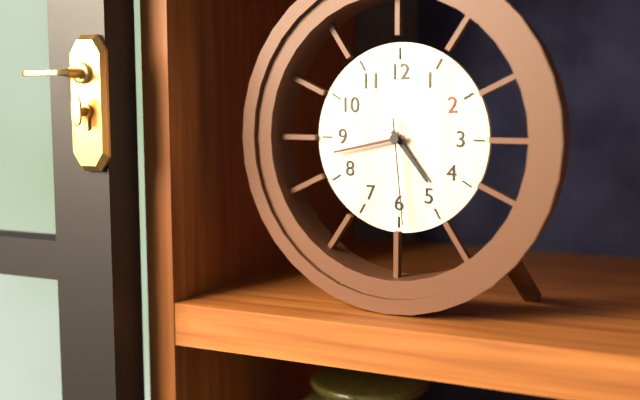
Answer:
**4:43:29**
